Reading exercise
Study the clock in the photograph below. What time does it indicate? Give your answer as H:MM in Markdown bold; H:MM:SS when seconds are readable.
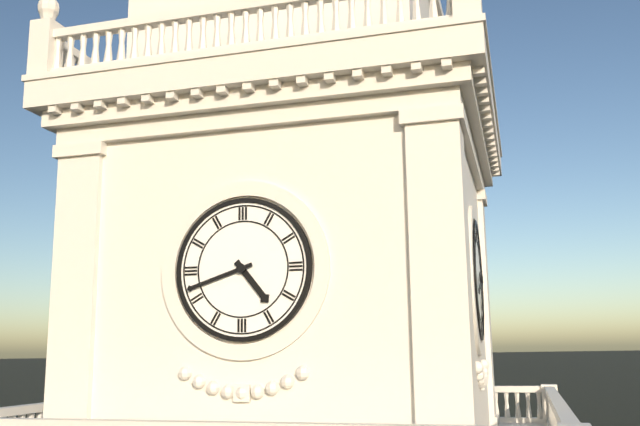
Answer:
**4:42**
